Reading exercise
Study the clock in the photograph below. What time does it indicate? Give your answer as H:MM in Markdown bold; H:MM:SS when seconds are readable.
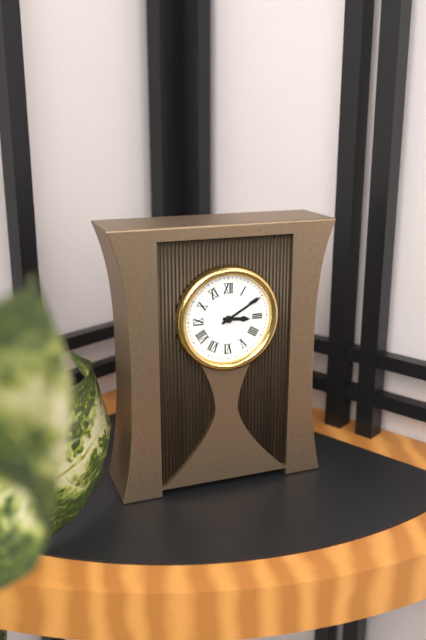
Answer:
**3:10**
